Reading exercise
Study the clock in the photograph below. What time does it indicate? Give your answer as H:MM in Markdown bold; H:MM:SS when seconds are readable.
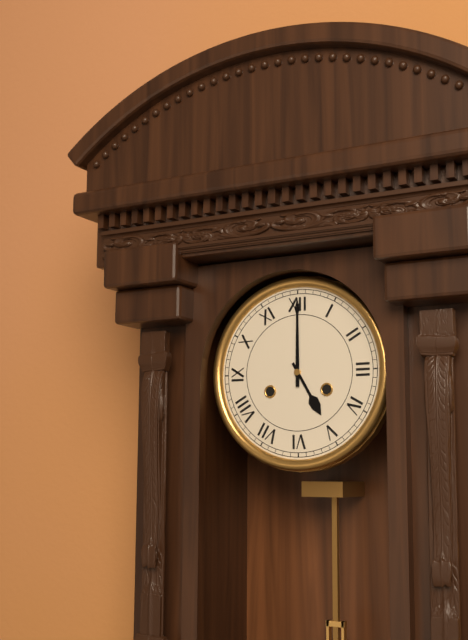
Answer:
**5:00**
